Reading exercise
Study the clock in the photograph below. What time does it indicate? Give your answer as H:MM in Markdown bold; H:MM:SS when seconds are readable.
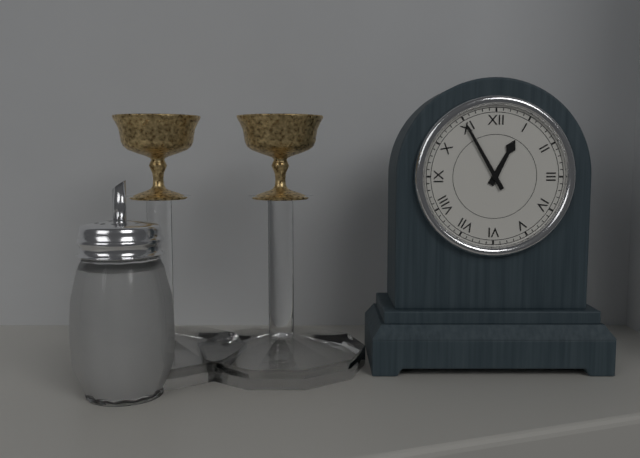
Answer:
**12:55**
